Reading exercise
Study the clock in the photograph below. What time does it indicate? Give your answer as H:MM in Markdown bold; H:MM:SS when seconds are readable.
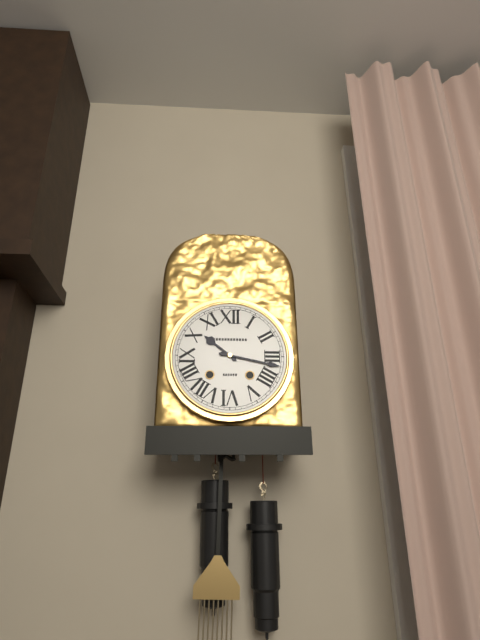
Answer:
**10:17**
